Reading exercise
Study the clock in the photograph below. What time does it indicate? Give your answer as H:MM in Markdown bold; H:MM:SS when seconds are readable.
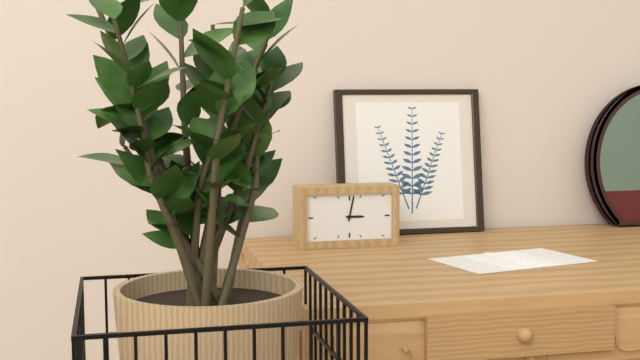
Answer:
**3:02**
